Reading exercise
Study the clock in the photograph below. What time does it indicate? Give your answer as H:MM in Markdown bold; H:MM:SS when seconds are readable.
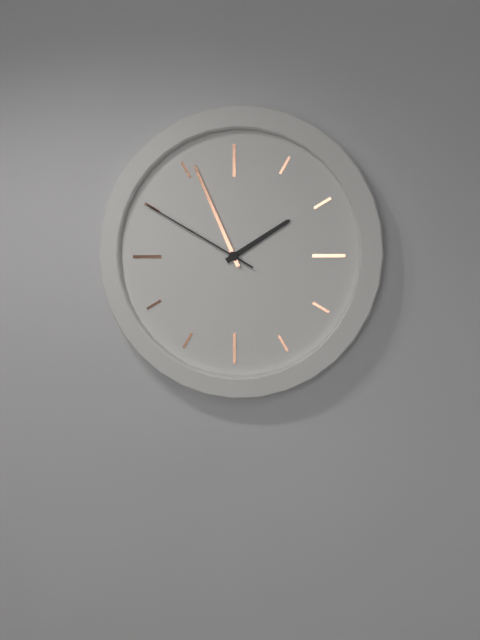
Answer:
**1:56:50**
